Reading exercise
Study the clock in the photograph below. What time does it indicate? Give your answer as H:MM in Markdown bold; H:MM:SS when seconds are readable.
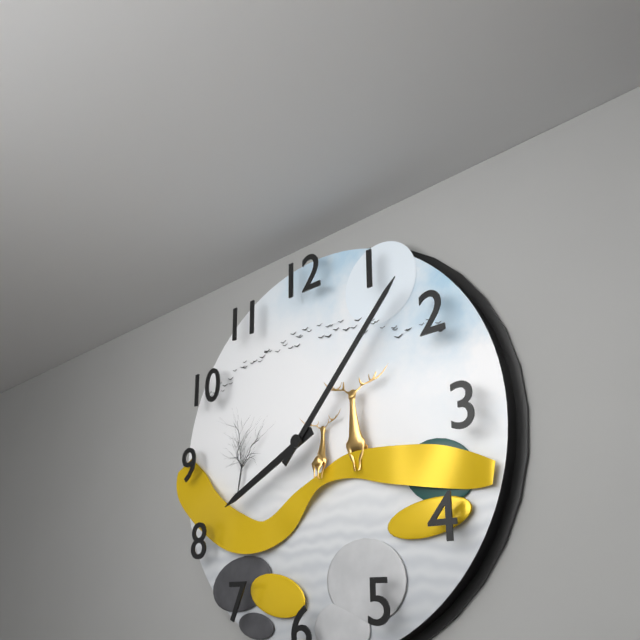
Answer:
**8:07**
